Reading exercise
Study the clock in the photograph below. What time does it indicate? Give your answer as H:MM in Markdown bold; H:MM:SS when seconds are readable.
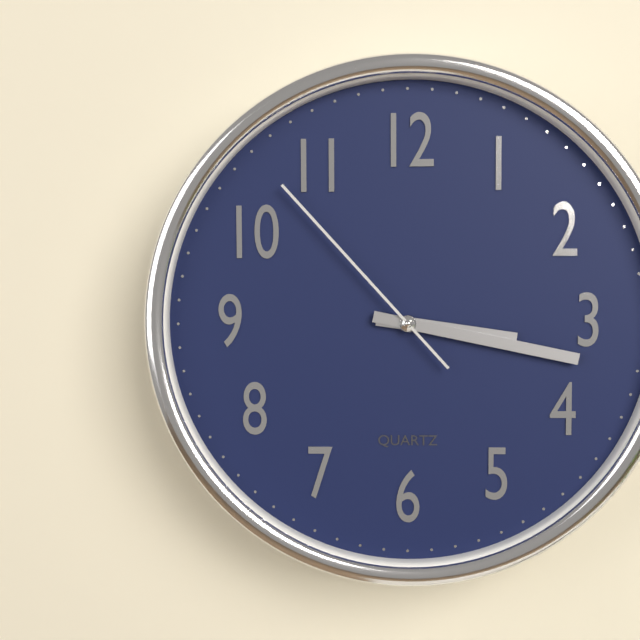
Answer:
**3:17:53**
